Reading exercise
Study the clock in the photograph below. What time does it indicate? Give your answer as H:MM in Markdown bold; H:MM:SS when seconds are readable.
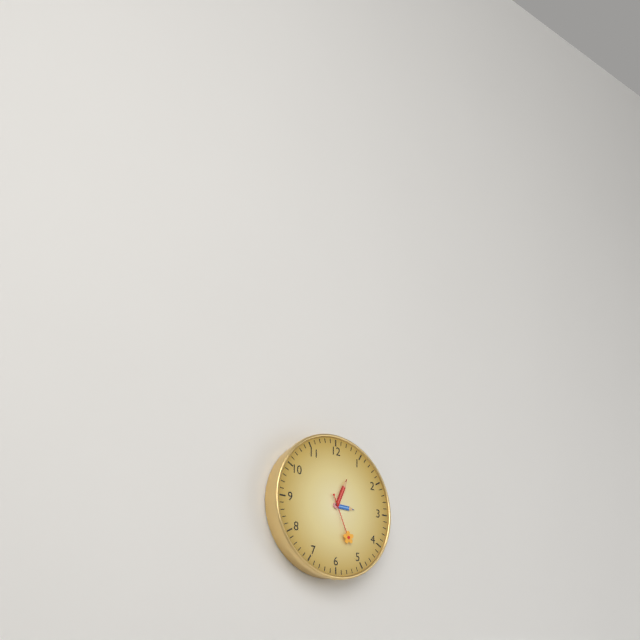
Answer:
**3:04:26**
